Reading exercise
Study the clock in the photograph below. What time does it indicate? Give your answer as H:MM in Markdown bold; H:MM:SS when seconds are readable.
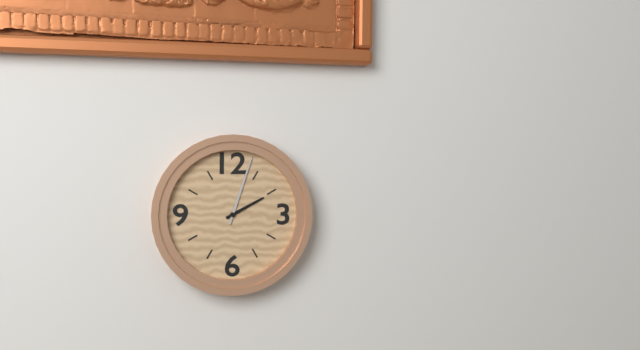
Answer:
**2:03**
